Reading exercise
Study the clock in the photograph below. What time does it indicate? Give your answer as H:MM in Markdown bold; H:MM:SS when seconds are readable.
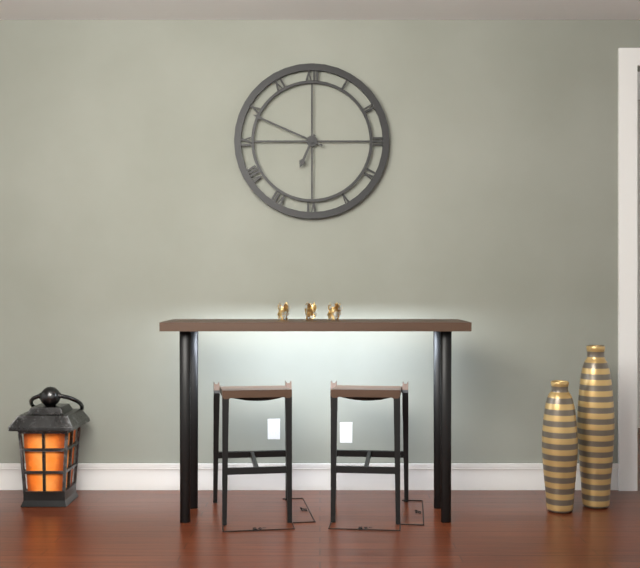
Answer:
**6:49**
